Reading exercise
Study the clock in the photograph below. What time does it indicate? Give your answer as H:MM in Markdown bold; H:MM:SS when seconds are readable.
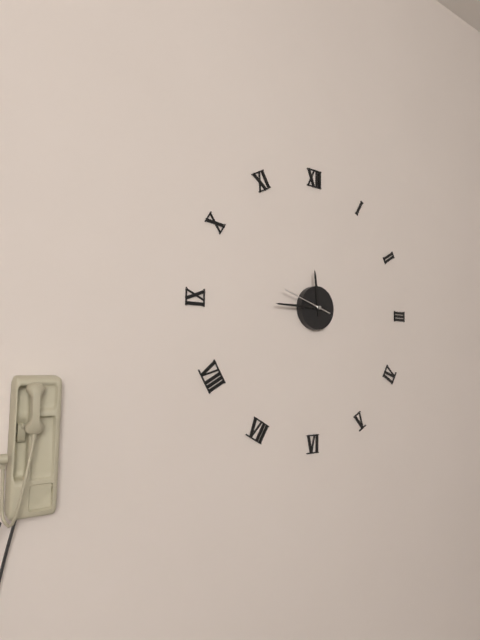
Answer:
**11:45**
